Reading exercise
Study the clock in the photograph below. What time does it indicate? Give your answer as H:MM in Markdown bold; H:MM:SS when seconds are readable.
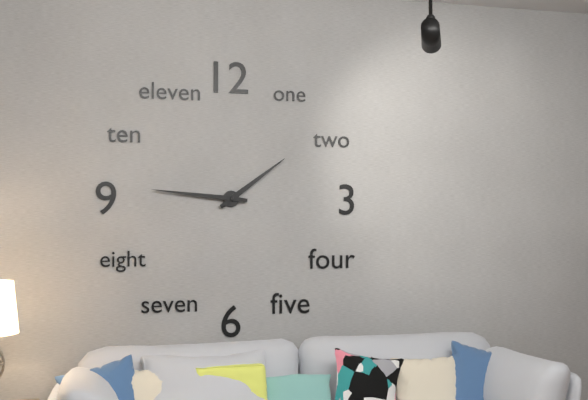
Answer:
**1:46**
